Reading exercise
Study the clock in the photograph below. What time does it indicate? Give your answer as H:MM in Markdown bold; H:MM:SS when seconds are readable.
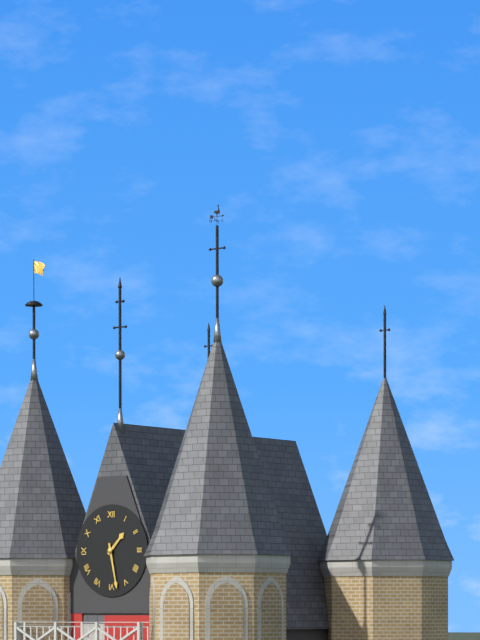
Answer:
**1:28**
